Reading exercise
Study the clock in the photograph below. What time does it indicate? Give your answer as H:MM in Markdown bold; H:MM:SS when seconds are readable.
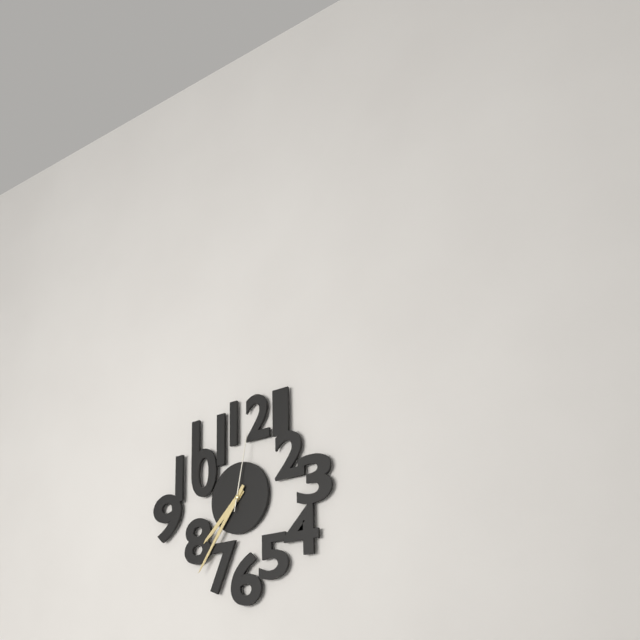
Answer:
**7:36:02**
